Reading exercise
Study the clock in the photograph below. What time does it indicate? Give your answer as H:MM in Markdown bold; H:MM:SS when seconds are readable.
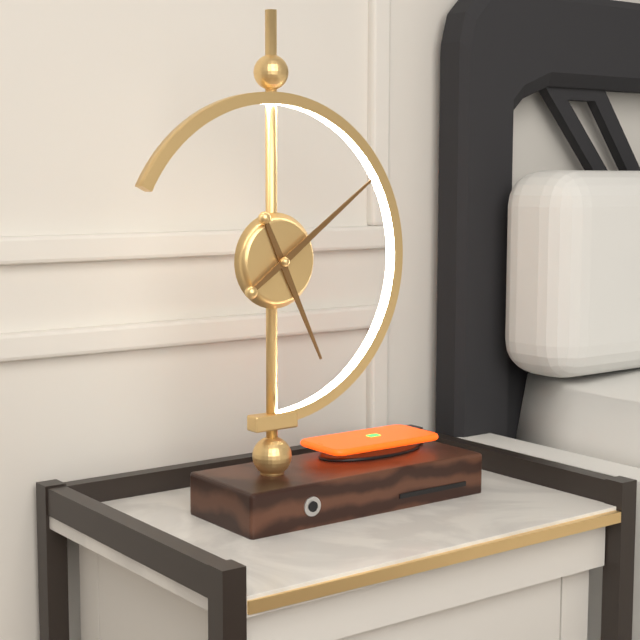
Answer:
**5:09**
